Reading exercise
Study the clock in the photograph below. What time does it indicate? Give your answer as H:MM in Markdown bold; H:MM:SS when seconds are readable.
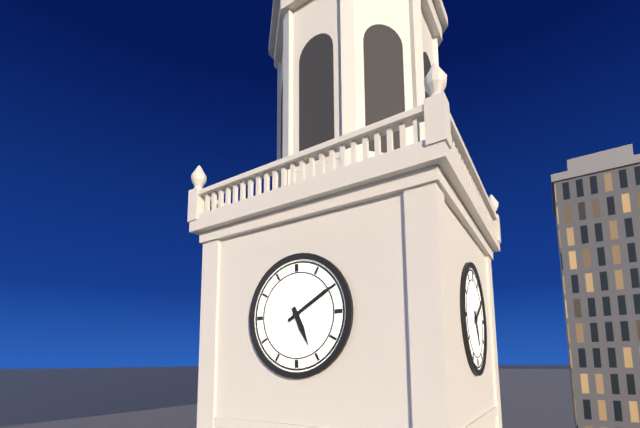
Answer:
**5:10**
